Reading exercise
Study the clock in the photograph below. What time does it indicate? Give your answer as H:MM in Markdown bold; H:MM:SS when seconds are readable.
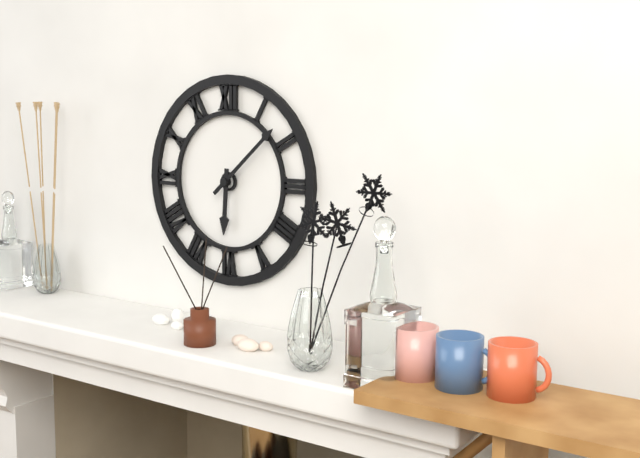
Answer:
**6:08**
